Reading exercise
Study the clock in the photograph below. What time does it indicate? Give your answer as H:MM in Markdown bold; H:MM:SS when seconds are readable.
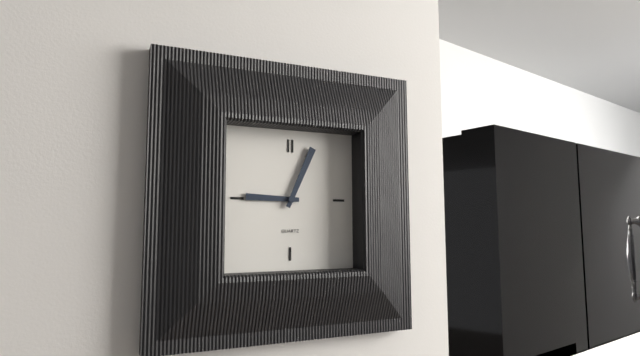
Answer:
**9:04**
